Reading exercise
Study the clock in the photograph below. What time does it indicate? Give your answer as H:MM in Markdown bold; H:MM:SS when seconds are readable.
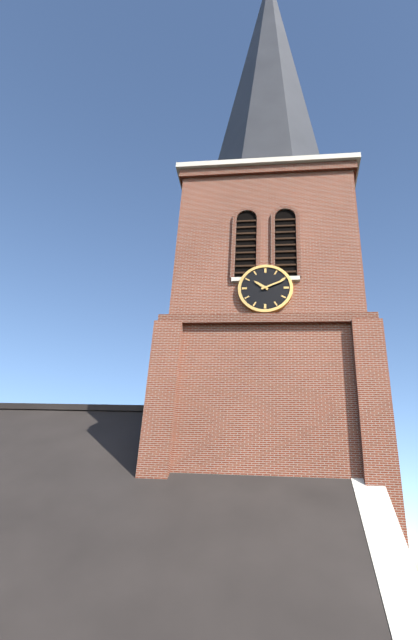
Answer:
**10:11**
